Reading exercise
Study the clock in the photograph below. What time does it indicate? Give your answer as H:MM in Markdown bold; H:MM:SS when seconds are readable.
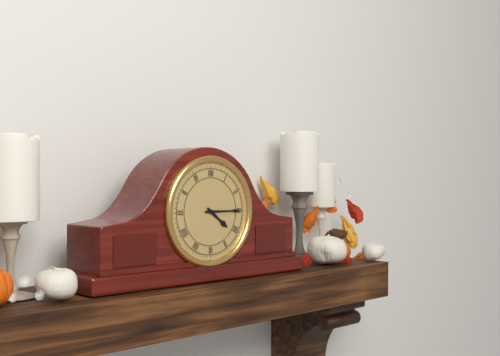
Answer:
**4:15**
